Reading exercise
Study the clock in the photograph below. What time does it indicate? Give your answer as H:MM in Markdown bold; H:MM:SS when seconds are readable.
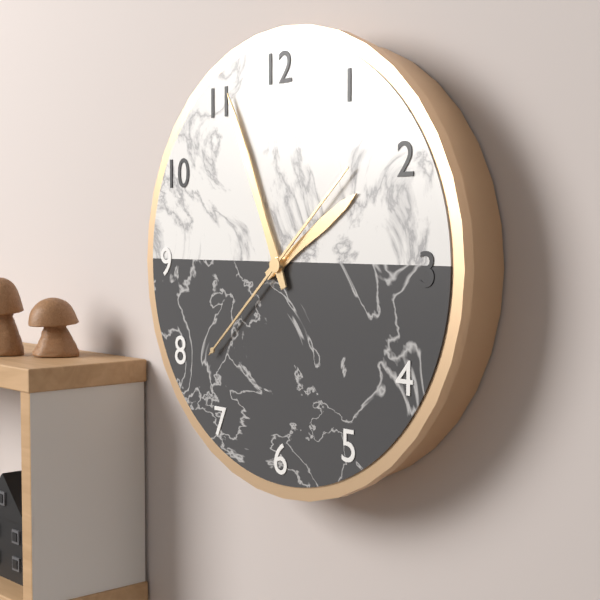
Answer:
**1:56:38**
